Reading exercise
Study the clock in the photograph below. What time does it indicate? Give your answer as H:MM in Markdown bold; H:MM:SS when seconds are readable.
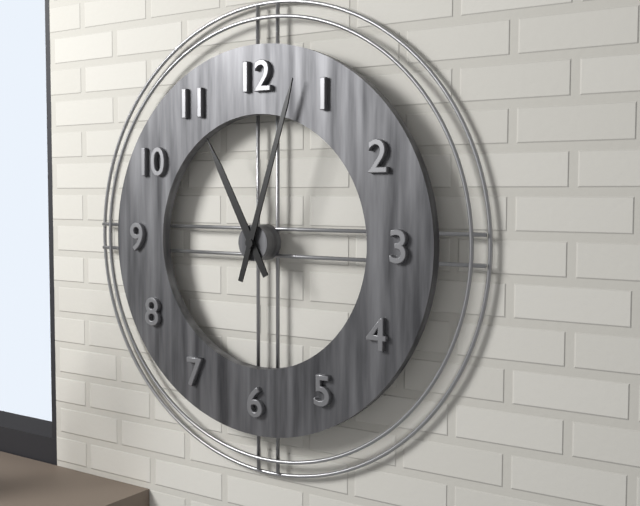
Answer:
**11:03**
